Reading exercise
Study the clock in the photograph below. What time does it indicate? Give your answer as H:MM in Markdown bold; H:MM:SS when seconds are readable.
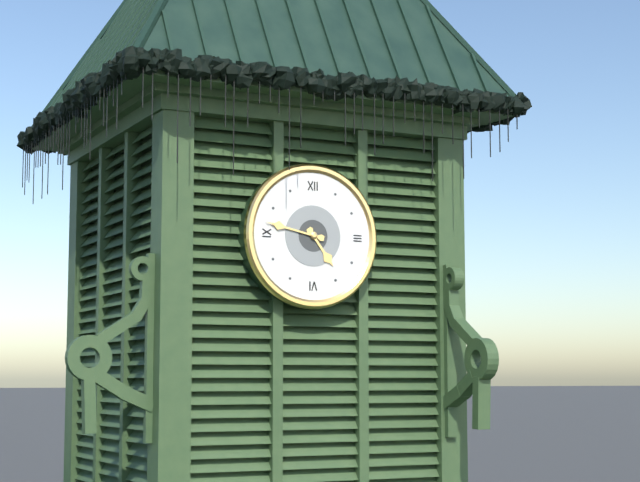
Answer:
**4:47**
